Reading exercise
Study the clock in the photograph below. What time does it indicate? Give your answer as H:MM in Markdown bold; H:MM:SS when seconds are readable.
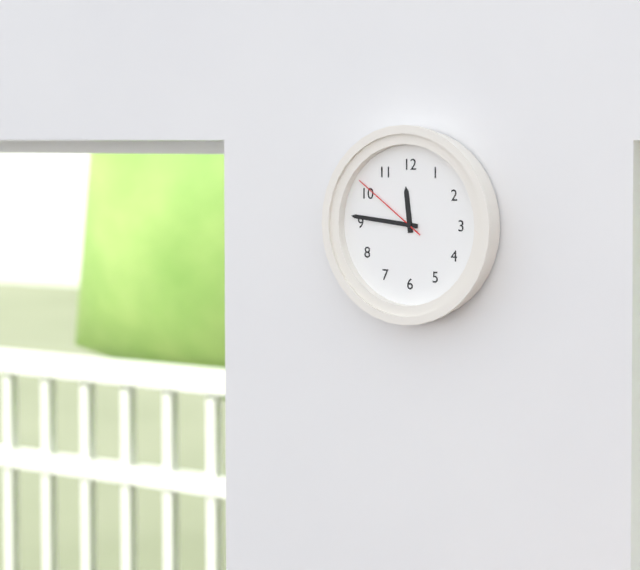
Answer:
**11:46:51**
